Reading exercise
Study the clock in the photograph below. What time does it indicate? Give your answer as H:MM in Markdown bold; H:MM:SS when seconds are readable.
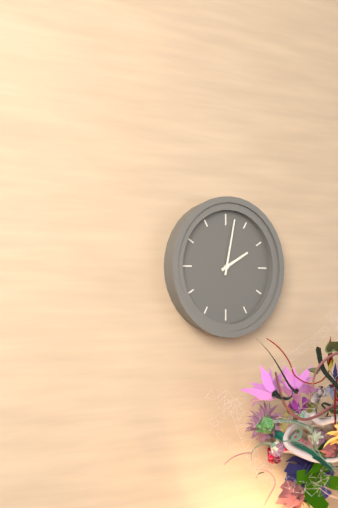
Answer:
**2:02**
